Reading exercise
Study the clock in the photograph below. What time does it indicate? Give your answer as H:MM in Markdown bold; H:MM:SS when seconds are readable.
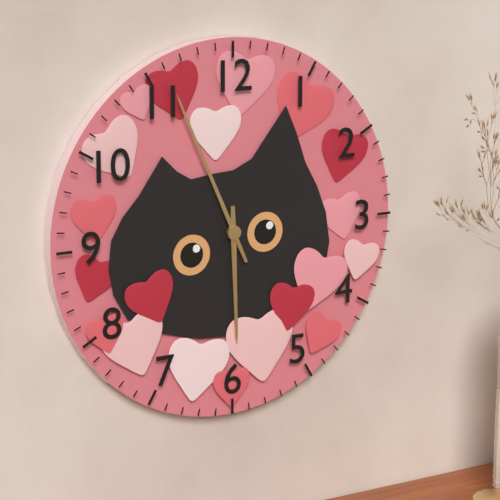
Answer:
**5:56**
